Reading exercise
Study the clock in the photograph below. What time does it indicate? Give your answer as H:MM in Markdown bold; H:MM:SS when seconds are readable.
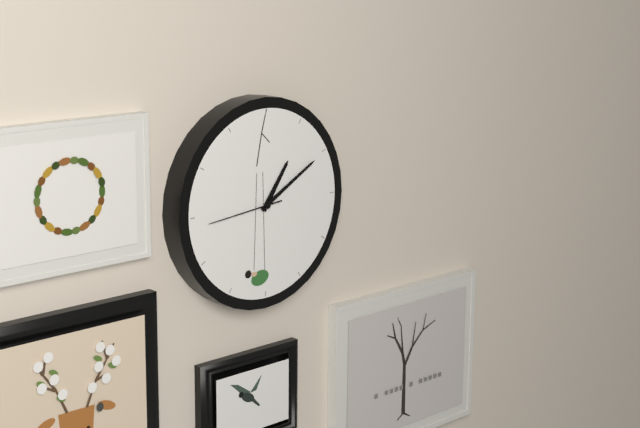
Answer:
**1:10:44**
